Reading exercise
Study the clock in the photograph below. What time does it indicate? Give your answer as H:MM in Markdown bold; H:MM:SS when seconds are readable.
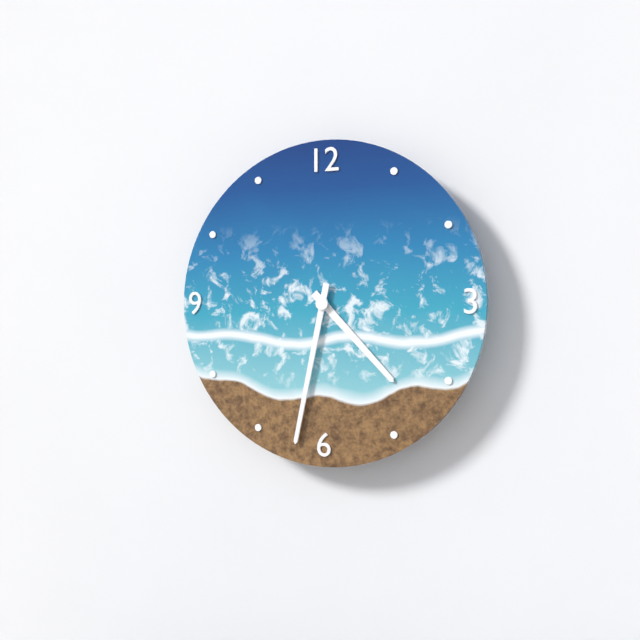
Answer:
**4:32**
